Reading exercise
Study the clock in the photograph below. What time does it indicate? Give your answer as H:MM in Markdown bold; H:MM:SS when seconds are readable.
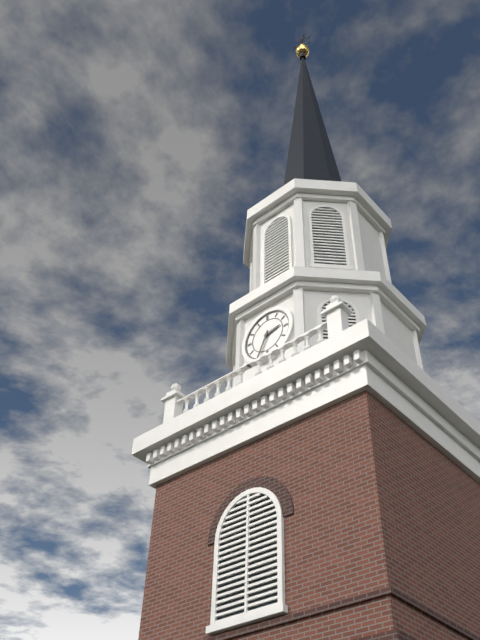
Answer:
**2:34**
